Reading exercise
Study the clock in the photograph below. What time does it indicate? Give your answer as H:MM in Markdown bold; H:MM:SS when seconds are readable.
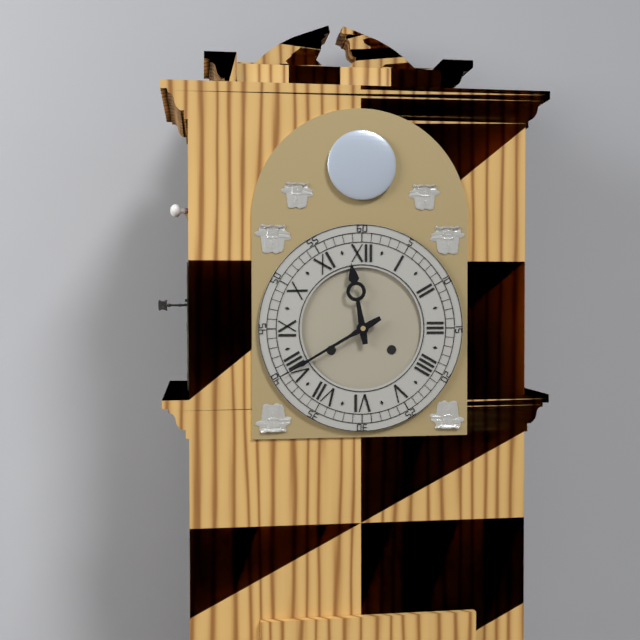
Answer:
**11:40**
